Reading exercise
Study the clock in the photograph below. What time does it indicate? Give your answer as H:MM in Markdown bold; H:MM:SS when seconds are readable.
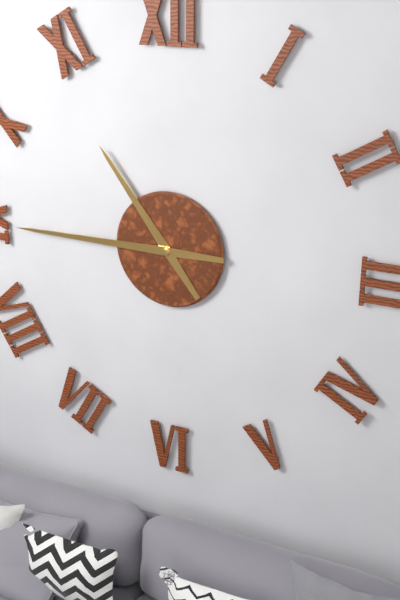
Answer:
**10:45**
